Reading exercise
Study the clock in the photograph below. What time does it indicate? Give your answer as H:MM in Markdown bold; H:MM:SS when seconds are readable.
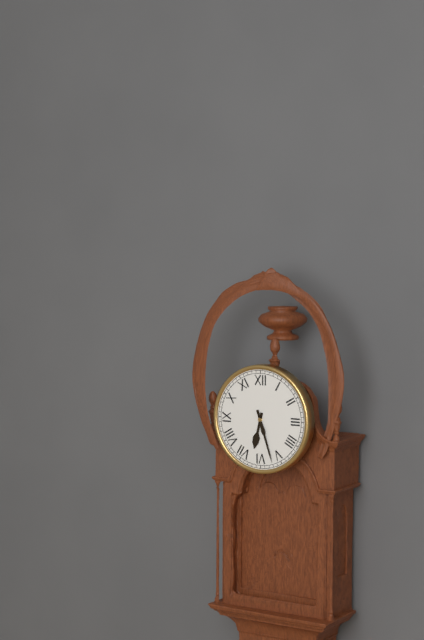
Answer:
**6:27**
